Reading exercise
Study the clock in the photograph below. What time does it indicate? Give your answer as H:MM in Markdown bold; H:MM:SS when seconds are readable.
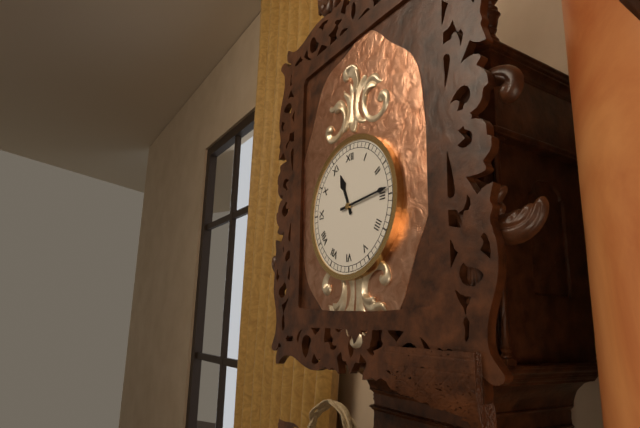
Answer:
**11:14**
